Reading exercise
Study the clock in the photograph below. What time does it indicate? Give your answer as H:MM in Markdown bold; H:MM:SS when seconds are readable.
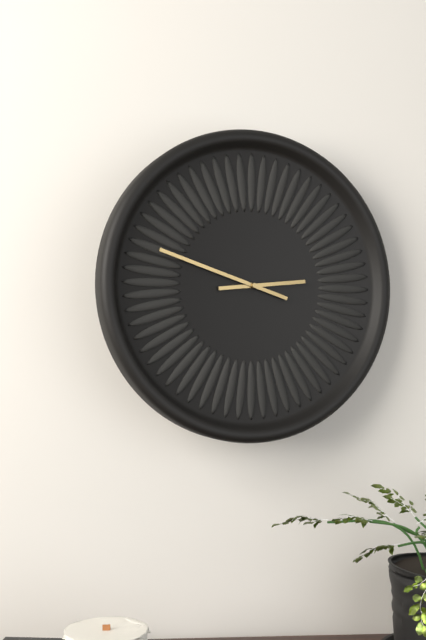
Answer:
**2:48**
